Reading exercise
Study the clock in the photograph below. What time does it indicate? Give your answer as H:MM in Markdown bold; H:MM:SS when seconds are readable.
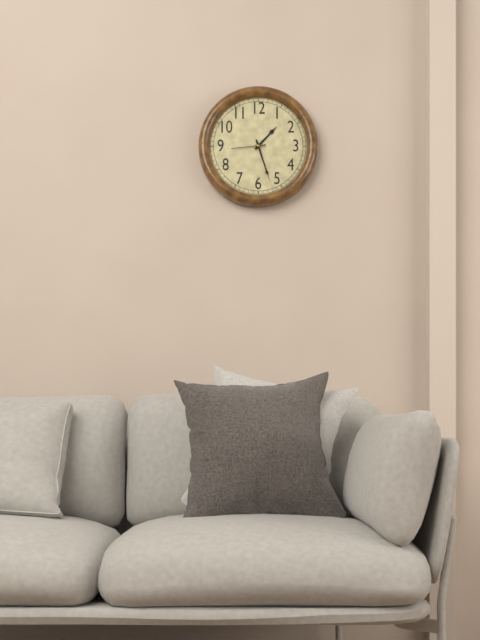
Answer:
**1:27**
